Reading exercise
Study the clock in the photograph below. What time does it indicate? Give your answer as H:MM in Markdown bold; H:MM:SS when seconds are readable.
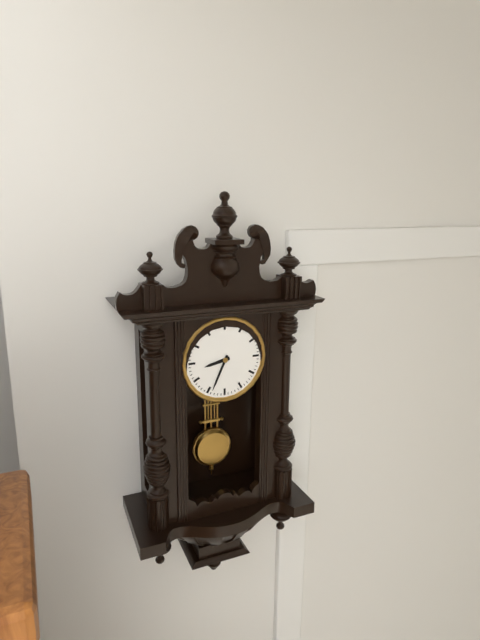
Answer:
**8:34**
